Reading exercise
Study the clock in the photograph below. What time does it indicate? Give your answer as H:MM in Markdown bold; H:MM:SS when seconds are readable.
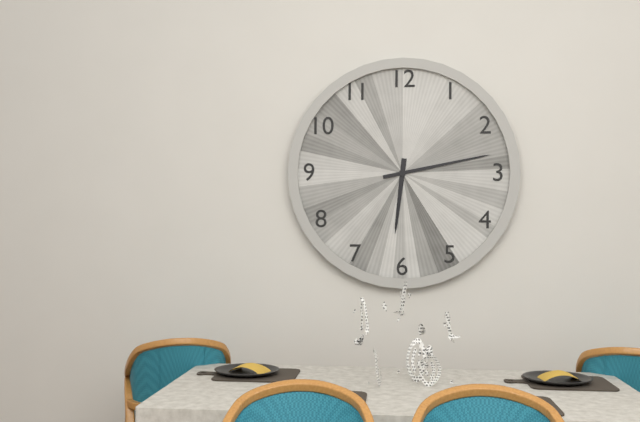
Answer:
**6:13**
